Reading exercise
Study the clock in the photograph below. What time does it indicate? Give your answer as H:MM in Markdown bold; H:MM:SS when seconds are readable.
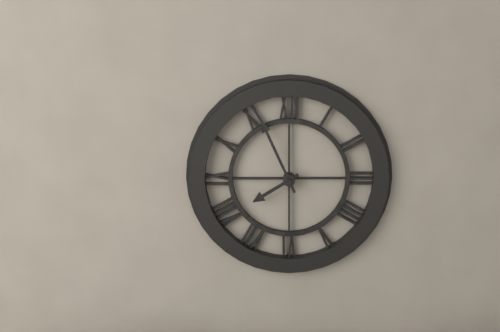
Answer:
**7:56**
